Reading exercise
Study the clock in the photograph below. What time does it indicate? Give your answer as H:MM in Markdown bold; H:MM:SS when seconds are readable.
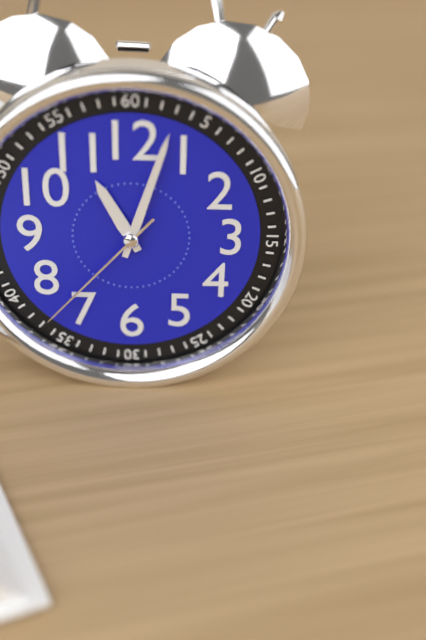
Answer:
**11:03:37**
